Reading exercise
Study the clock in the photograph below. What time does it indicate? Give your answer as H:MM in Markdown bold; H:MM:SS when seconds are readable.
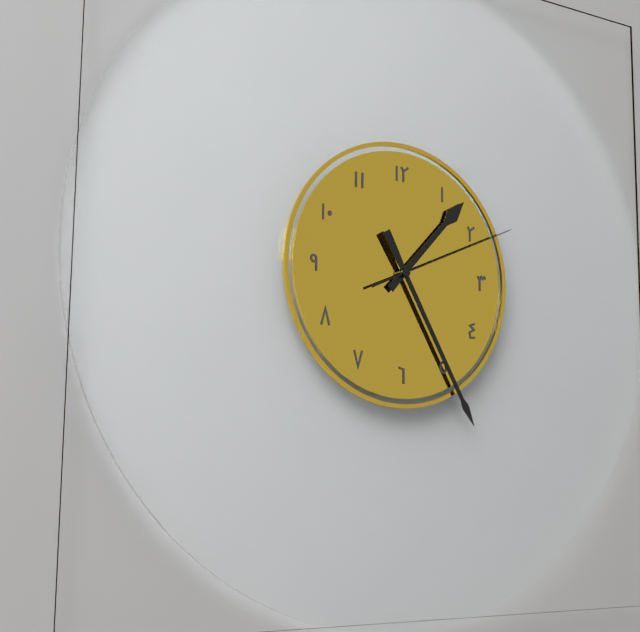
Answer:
**1:25:11**
